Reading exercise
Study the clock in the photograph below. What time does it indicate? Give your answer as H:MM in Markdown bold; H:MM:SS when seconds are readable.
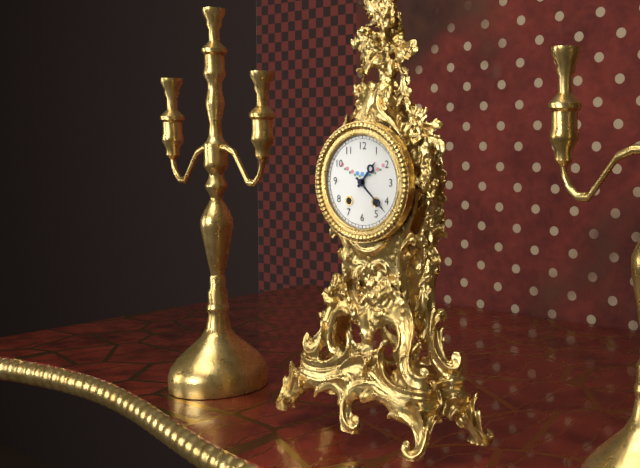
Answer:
**1:22**
